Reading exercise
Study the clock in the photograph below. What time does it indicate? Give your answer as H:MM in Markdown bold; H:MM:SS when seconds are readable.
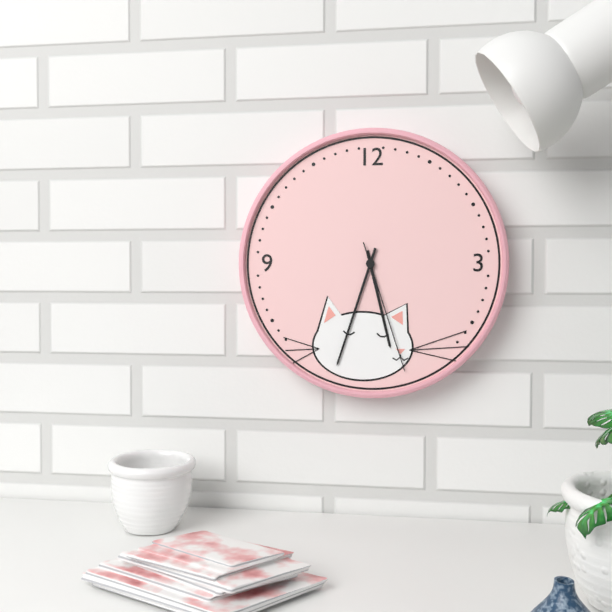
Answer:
**5:33:27**
